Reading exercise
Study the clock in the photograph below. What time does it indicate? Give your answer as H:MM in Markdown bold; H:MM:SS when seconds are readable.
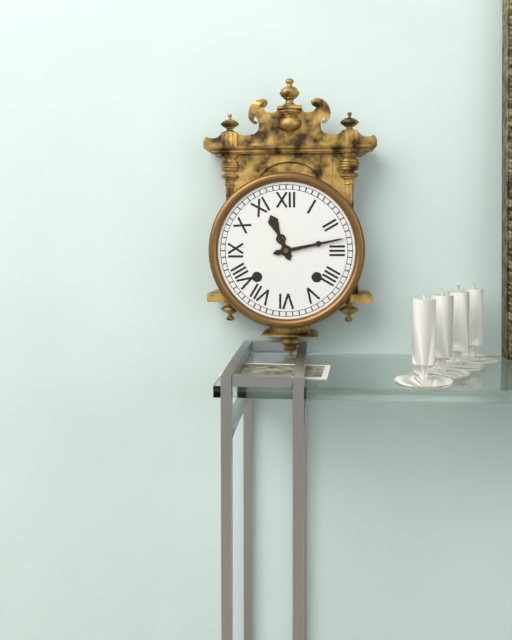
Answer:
**11:13**
